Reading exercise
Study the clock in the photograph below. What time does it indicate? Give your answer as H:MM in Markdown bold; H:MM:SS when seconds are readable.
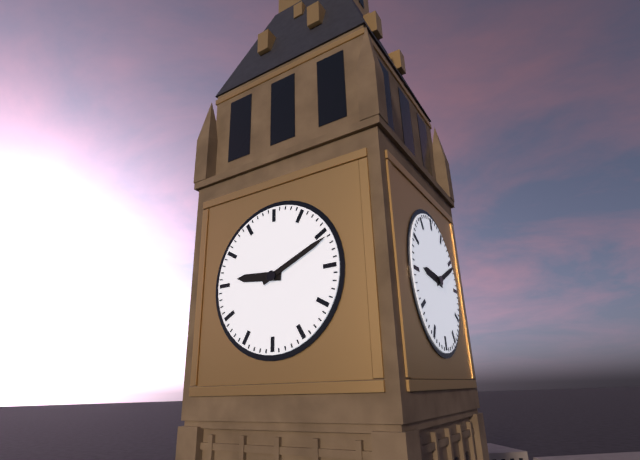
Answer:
**9:11**
